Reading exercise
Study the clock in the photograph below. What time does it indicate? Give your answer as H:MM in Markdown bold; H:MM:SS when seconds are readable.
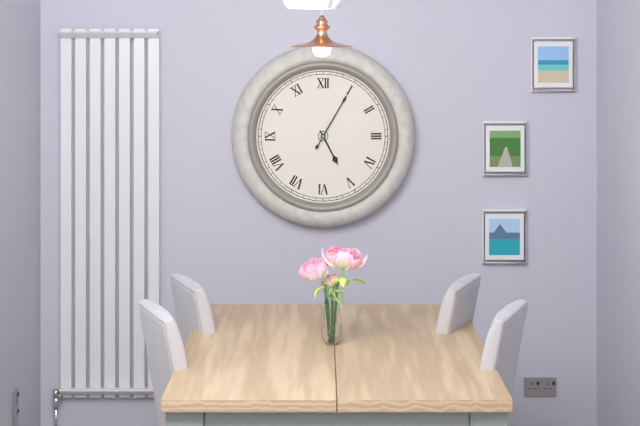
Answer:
**5:05**
